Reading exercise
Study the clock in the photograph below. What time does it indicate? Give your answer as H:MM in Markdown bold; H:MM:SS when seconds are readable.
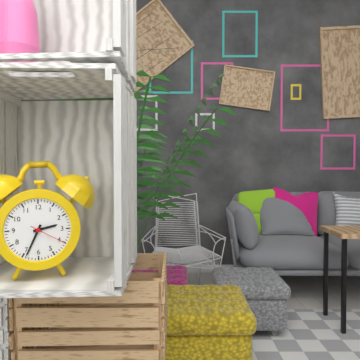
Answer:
**2:34**
